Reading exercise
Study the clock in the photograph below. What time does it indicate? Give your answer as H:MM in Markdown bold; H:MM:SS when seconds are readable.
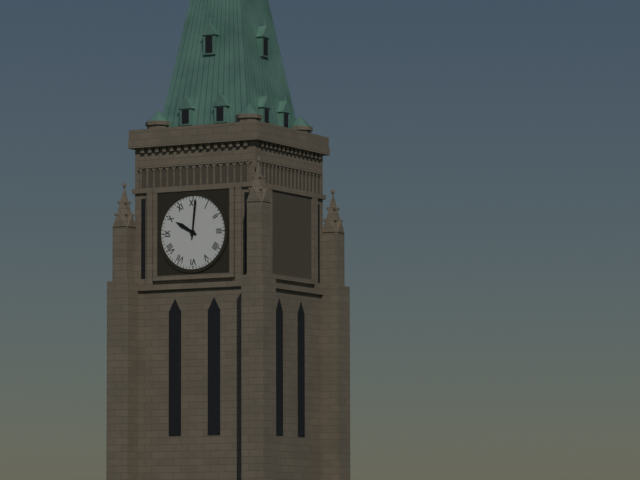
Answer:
**10:01**
